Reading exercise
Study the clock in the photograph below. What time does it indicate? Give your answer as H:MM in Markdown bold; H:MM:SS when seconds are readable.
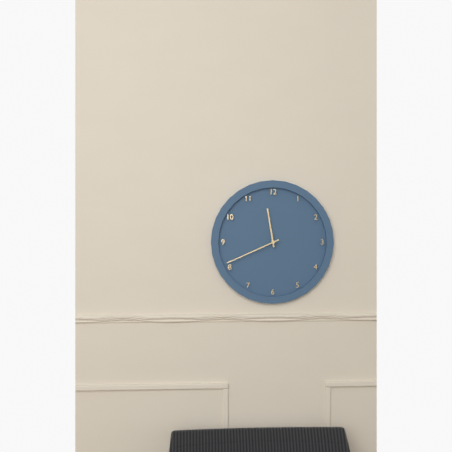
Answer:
**11:41**
